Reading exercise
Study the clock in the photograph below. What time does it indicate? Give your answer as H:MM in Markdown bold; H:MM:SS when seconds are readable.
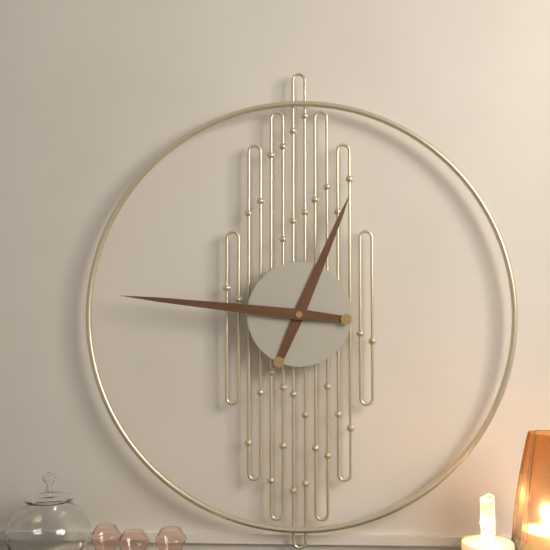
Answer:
**12:46**
